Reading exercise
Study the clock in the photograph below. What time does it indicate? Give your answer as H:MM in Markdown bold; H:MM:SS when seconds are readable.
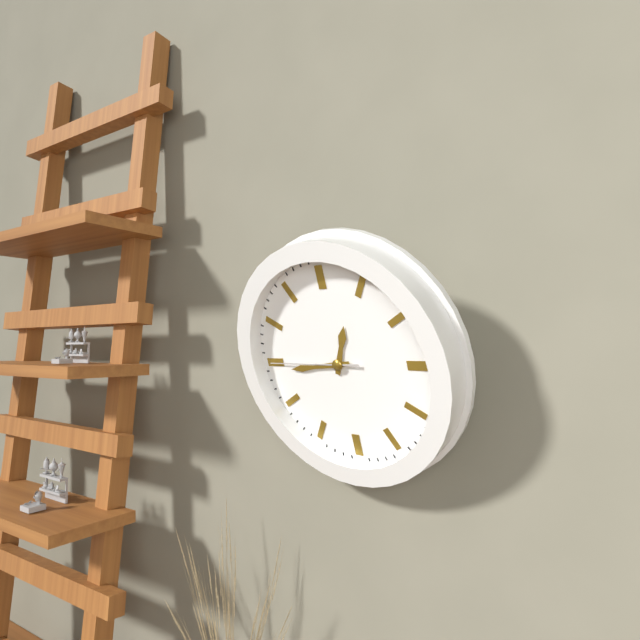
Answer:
**12:44:45**
